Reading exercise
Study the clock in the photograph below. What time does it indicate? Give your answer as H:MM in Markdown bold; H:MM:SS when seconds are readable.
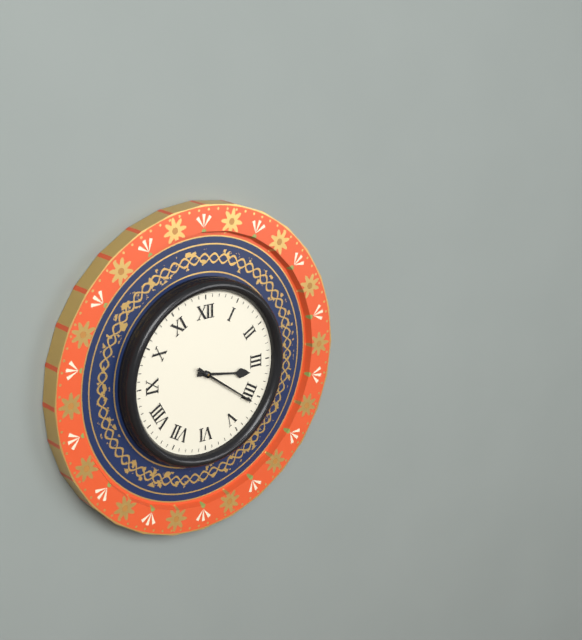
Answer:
**3:21**
